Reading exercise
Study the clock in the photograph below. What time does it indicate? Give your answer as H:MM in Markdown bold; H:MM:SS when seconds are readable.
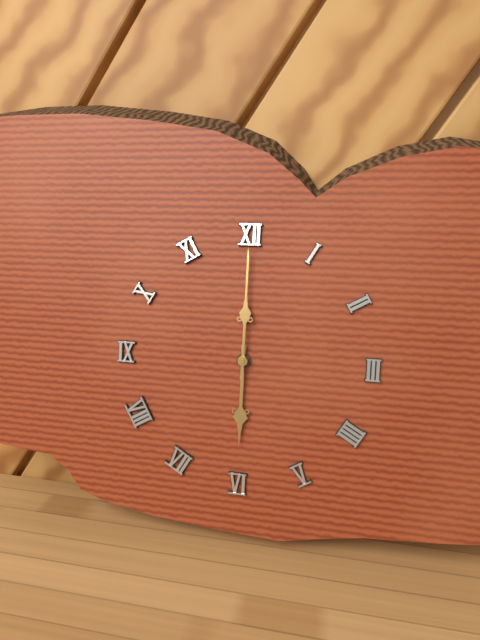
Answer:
**6:00**
